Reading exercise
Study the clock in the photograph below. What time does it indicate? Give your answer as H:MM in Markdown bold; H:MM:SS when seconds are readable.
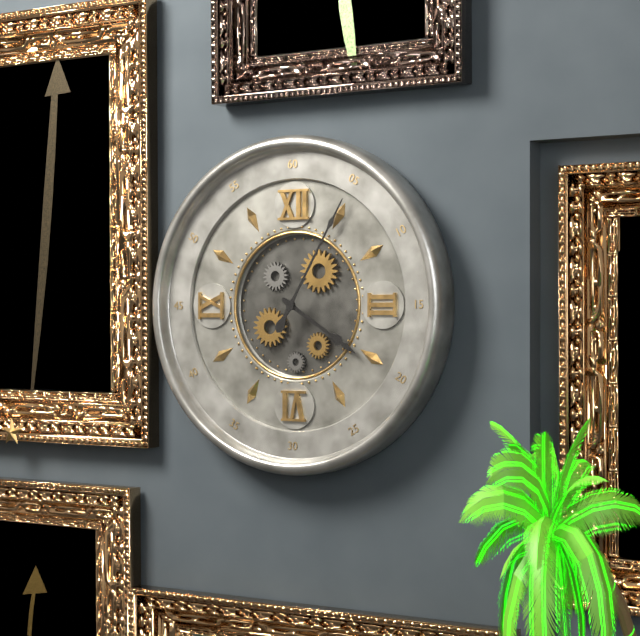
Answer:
**4:05**
